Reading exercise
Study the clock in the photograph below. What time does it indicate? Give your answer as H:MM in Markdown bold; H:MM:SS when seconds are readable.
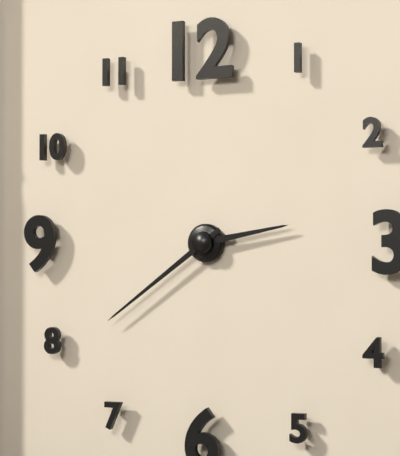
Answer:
**2:39**
